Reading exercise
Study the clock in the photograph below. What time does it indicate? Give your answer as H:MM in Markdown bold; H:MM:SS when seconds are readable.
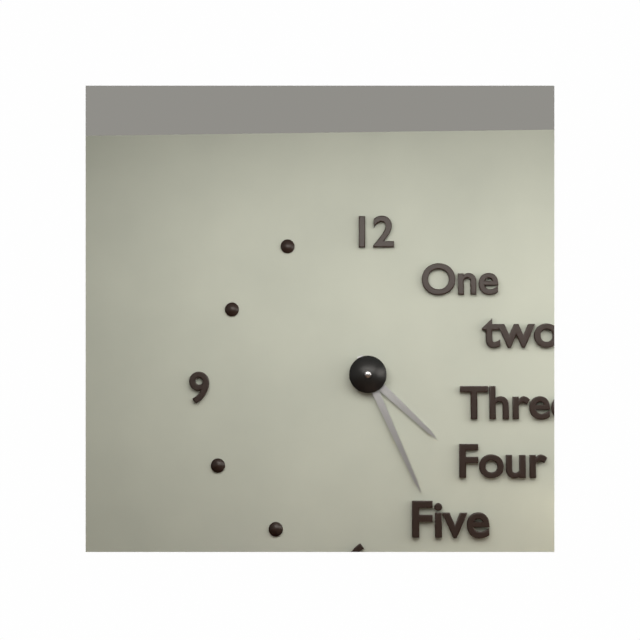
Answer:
**4:26**
